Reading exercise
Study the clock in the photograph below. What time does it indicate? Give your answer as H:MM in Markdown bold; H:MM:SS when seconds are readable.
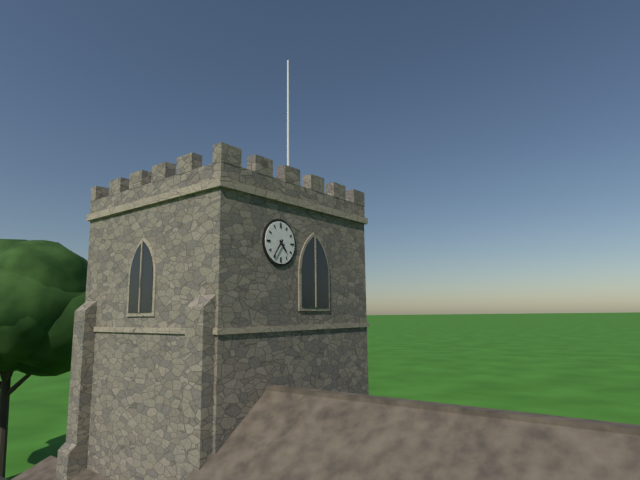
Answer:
**4:36**
